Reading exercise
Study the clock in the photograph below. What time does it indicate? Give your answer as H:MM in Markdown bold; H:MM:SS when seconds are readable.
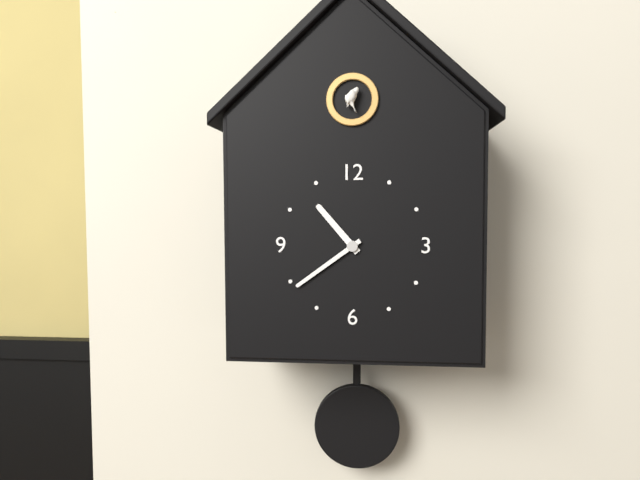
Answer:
**10:39**
